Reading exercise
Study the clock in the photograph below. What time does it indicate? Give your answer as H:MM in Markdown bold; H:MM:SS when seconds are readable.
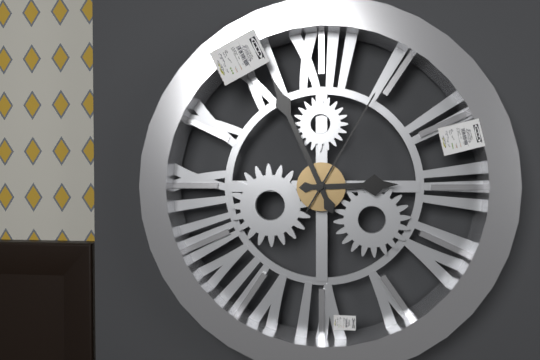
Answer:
**2:56:05**
